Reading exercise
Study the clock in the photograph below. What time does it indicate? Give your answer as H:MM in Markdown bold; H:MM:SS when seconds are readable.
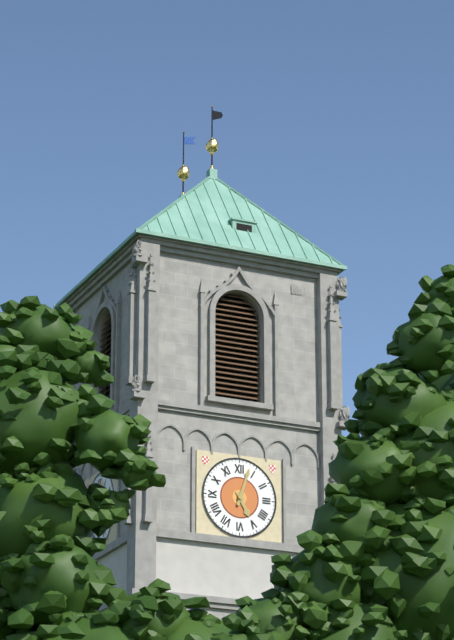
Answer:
**5:03**
